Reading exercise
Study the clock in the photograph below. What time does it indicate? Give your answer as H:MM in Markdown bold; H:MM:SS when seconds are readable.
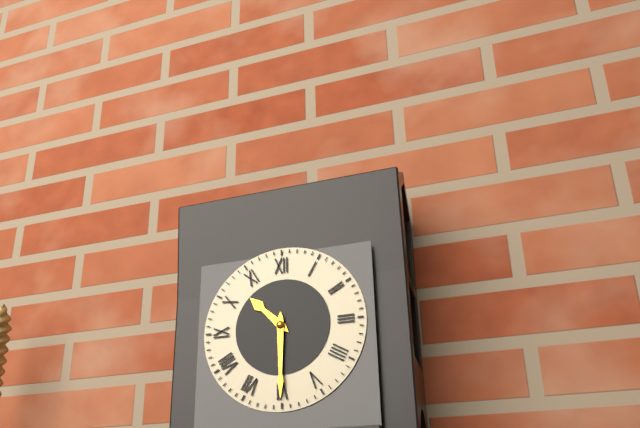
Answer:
**10:30**
